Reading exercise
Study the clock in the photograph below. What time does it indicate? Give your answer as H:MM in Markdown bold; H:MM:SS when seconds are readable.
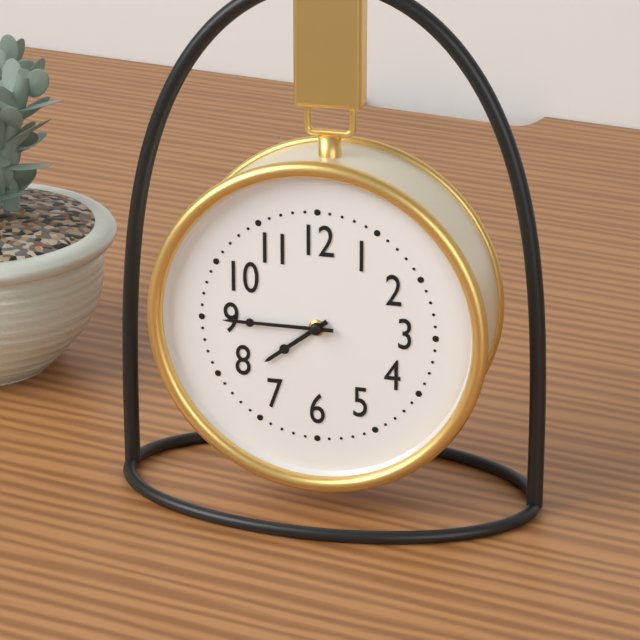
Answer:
**7:45**
